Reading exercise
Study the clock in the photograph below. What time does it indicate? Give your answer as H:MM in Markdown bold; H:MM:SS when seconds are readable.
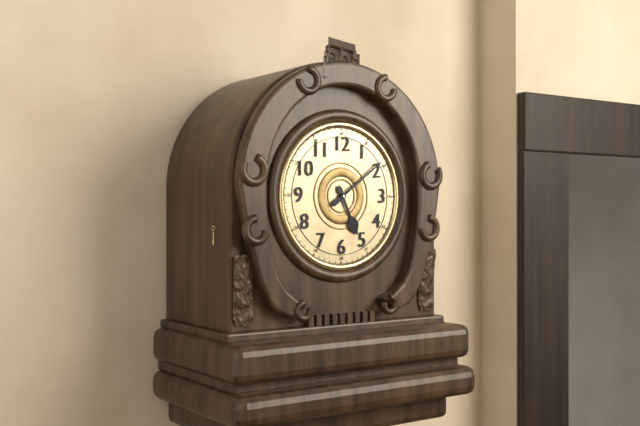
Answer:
**5:09**
